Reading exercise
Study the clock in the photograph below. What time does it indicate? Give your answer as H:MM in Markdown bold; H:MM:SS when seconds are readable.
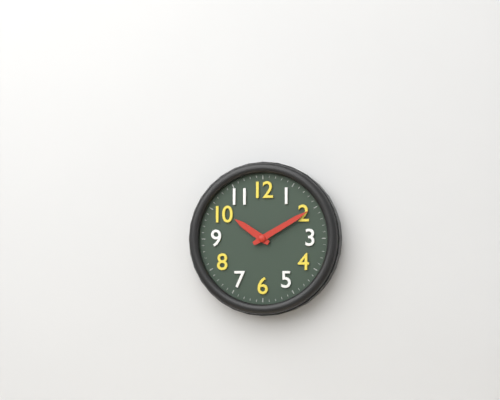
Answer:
**10:10**
